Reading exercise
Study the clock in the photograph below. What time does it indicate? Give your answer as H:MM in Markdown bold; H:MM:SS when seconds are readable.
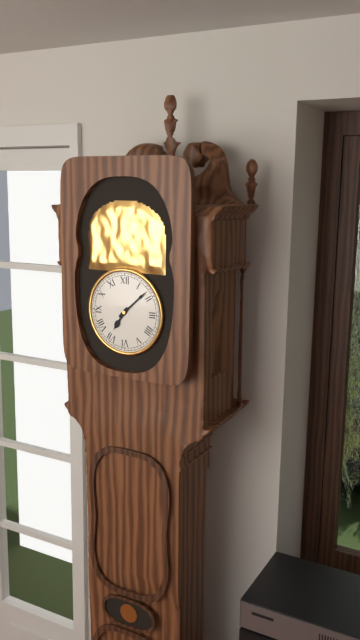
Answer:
**7:08**
